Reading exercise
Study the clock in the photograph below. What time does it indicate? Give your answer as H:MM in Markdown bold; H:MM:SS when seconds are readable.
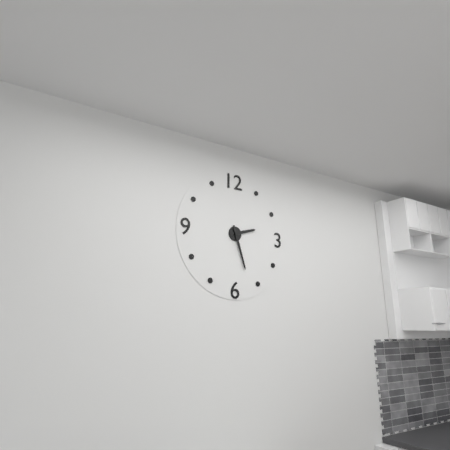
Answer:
**2:27**
